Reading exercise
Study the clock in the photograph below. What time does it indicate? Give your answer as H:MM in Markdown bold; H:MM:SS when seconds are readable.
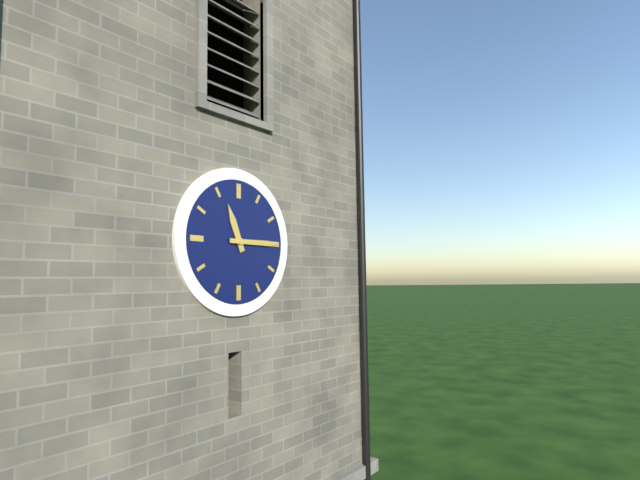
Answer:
**11:15**
